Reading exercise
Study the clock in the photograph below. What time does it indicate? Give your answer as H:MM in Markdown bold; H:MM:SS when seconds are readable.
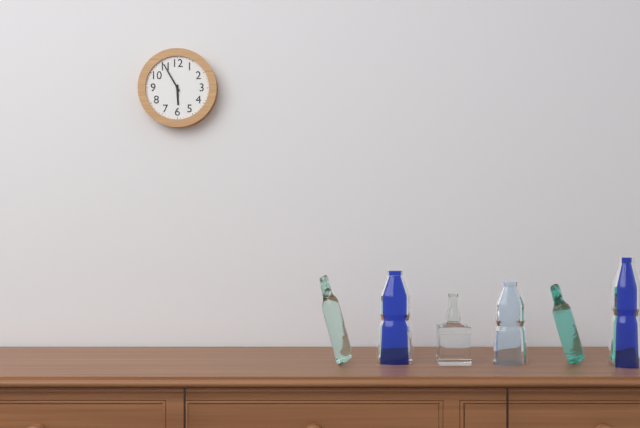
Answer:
**5:55**
